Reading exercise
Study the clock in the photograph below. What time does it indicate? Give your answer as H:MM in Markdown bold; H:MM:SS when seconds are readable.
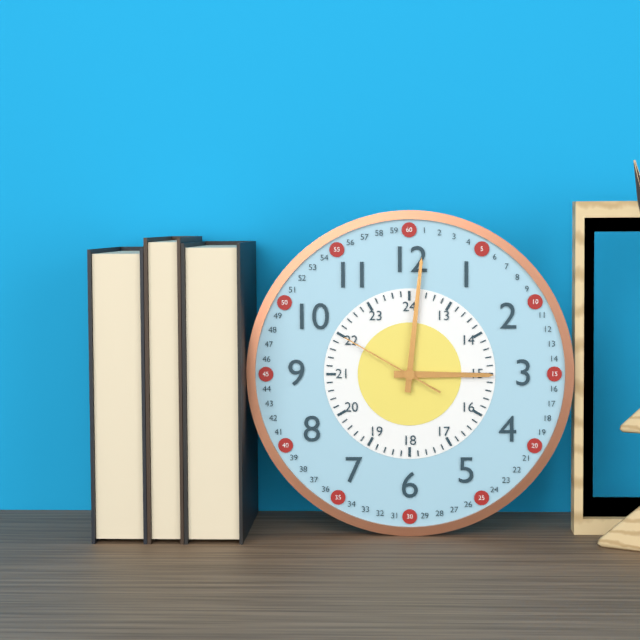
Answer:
**3:01:50**
